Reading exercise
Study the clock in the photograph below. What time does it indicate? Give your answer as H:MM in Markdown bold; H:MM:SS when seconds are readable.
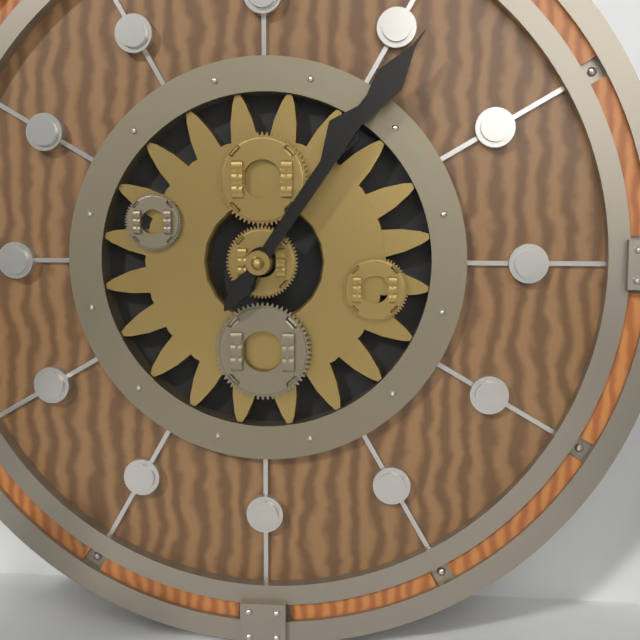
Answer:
**1:06**
